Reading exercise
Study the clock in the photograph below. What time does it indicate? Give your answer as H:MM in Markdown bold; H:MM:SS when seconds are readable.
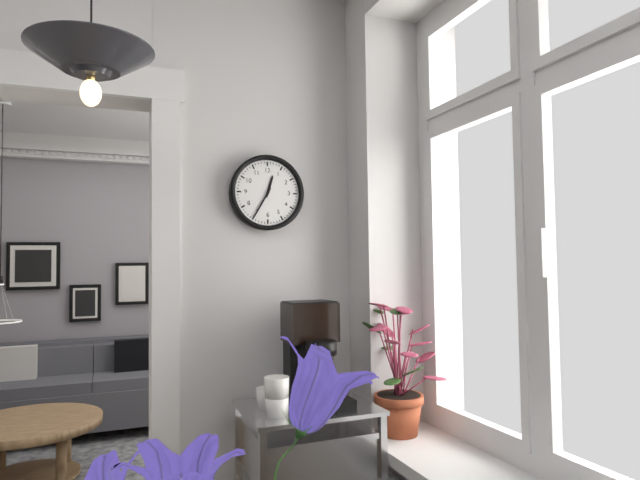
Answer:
**12:35**
